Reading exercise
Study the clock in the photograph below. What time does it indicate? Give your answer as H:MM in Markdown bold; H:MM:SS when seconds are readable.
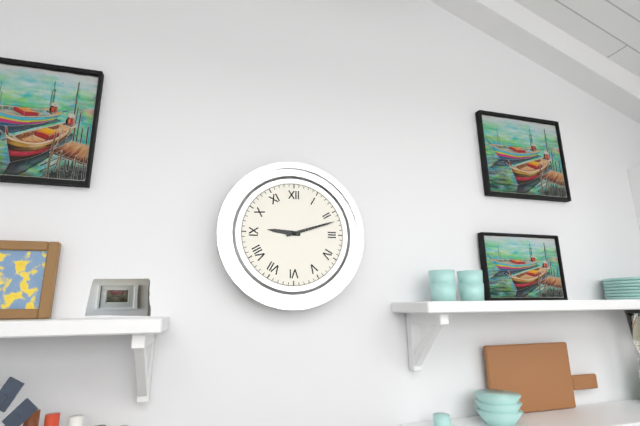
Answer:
**9:12**
